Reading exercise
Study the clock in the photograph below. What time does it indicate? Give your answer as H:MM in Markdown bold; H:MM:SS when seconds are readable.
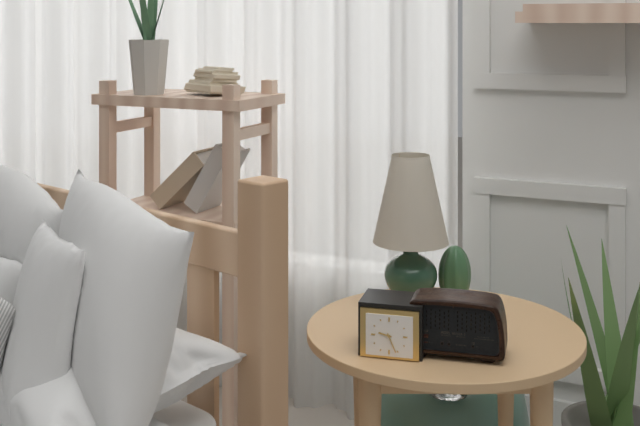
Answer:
**9:26**
